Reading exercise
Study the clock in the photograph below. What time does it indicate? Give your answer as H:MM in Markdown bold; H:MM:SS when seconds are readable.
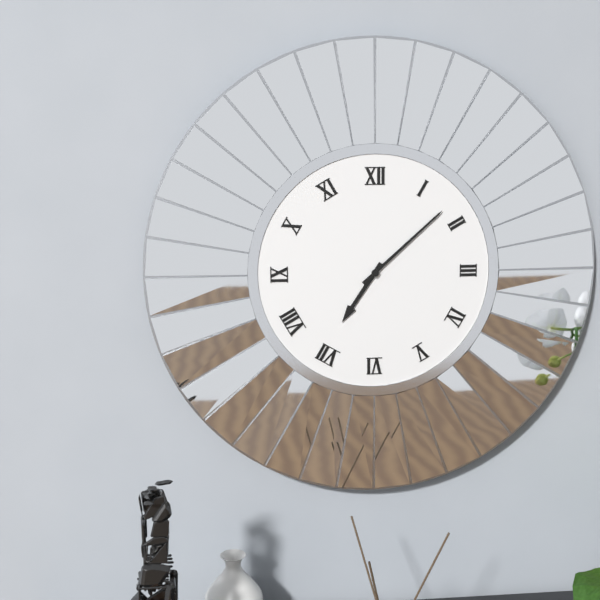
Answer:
**7:08**
